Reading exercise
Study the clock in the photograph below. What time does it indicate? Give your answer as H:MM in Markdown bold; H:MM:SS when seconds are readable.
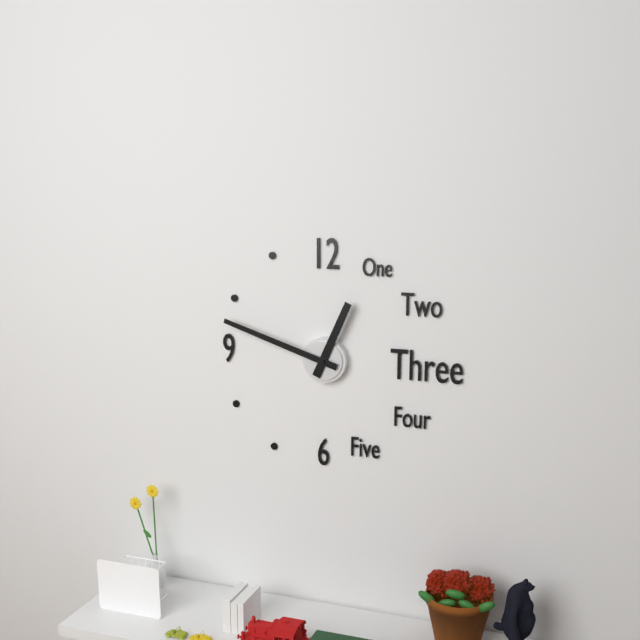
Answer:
**12:48**
